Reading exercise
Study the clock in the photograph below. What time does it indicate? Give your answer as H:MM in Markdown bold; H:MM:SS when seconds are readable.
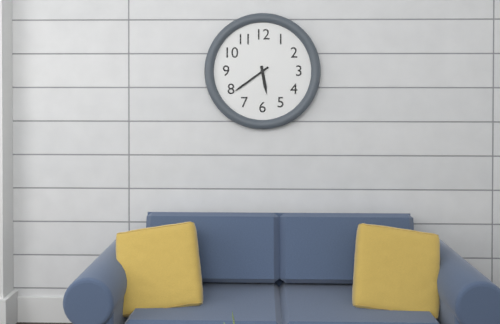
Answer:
**5:39**
